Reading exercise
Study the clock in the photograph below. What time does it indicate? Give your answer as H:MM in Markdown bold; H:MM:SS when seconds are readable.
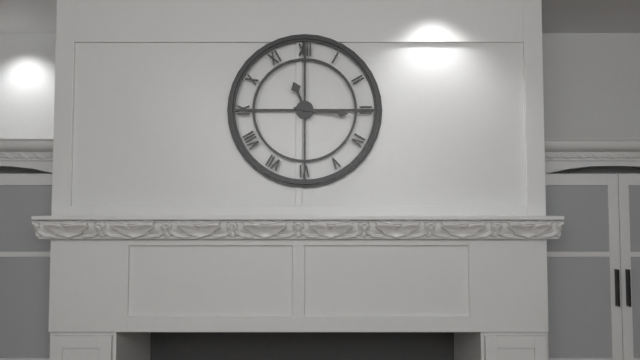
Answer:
**11:16**
